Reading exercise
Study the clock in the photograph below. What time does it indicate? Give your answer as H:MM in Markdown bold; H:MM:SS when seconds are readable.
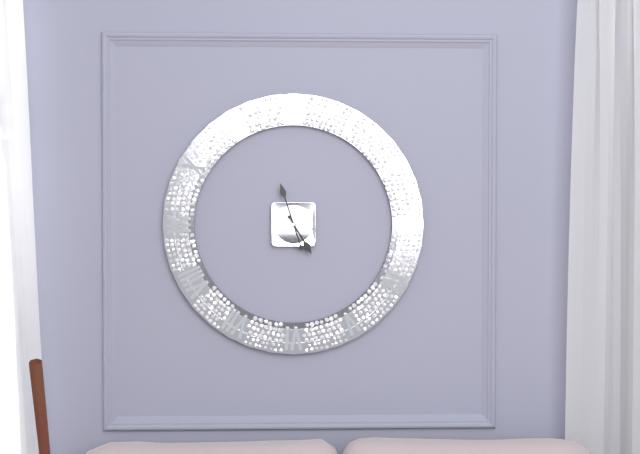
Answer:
**4:57**
